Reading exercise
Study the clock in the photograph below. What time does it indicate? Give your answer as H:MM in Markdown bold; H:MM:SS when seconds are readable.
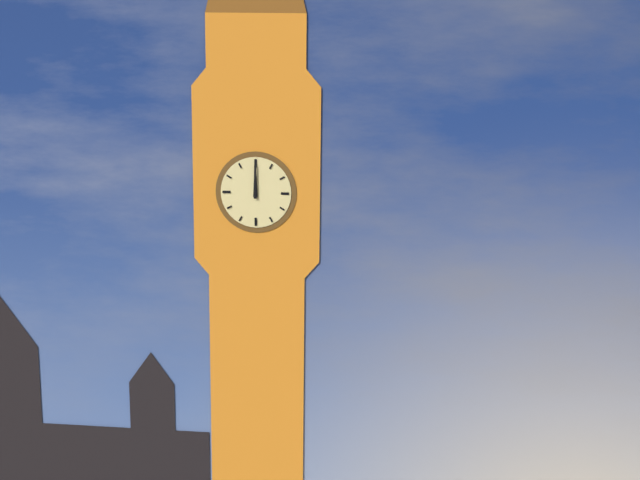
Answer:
**12:00**
